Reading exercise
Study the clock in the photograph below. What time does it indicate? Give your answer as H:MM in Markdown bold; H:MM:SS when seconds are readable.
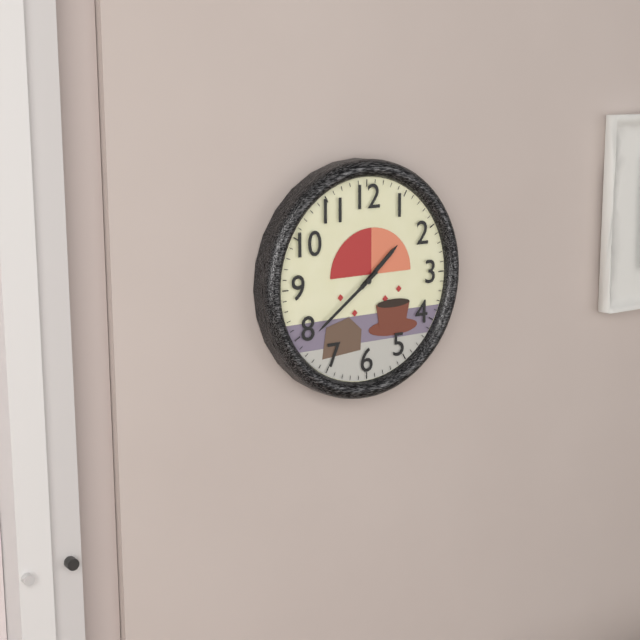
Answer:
**1:39**
